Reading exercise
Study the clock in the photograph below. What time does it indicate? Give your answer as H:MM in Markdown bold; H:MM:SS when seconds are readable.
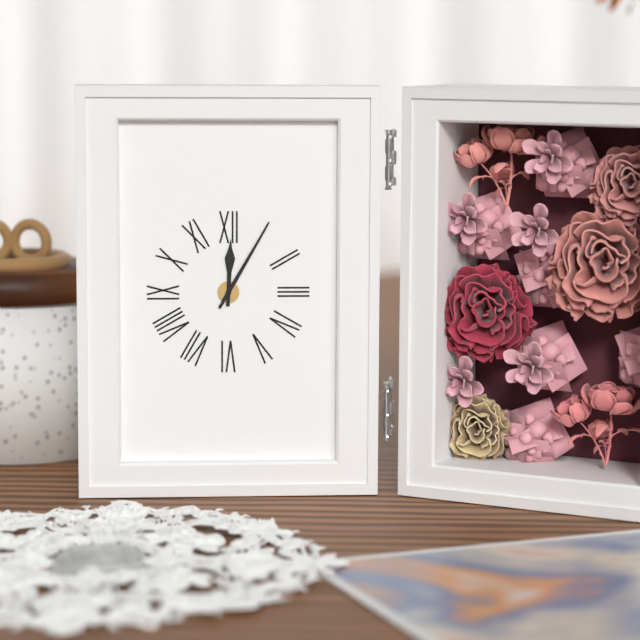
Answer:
**12:05**
